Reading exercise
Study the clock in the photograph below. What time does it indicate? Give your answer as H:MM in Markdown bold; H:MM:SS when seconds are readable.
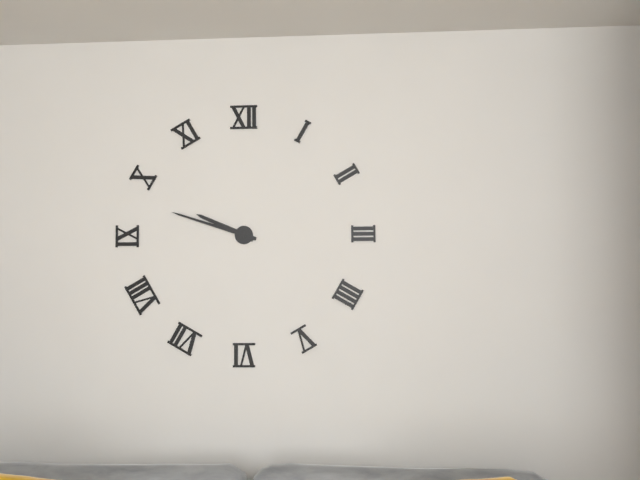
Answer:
**9:48**
